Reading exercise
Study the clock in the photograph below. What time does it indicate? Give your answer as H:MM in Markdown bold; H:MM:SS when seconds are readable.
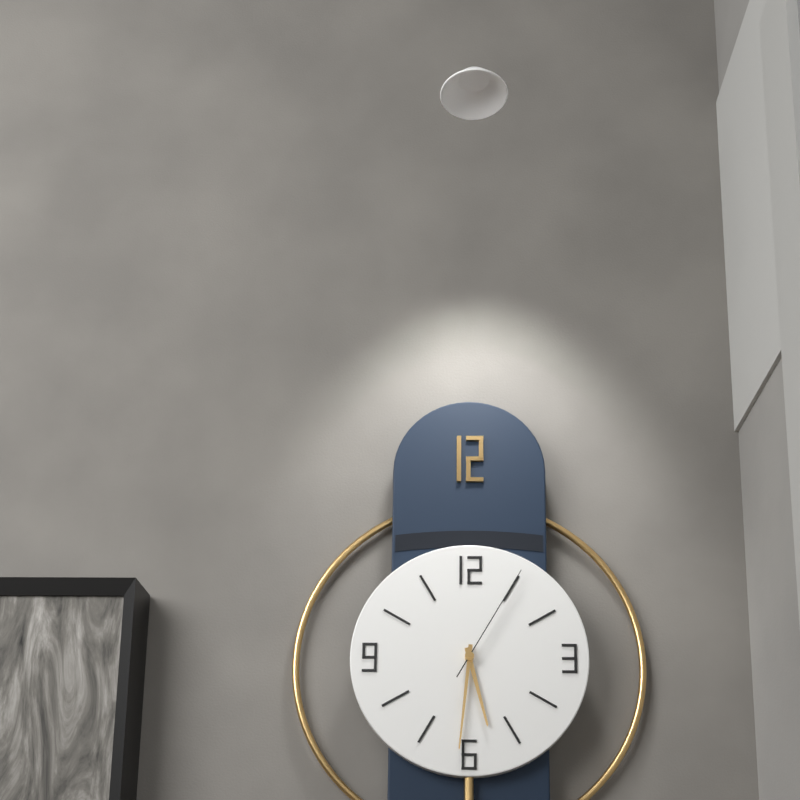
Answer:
**5:31:05**
